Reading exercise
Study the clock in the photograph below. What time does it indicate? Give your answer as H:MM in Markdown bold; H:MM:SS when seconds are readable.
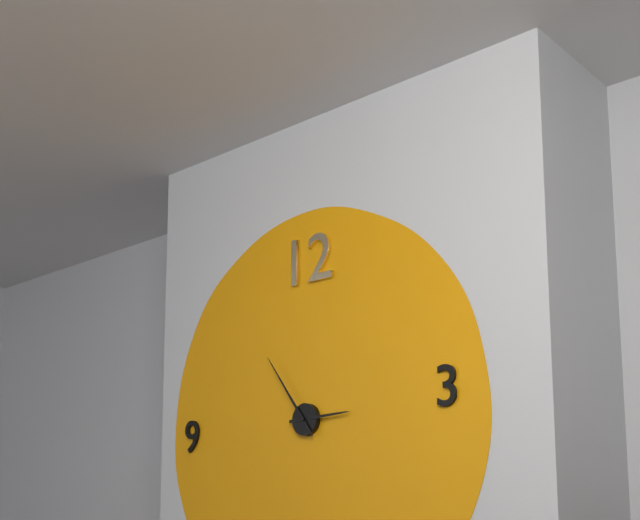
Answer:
**2:54**
